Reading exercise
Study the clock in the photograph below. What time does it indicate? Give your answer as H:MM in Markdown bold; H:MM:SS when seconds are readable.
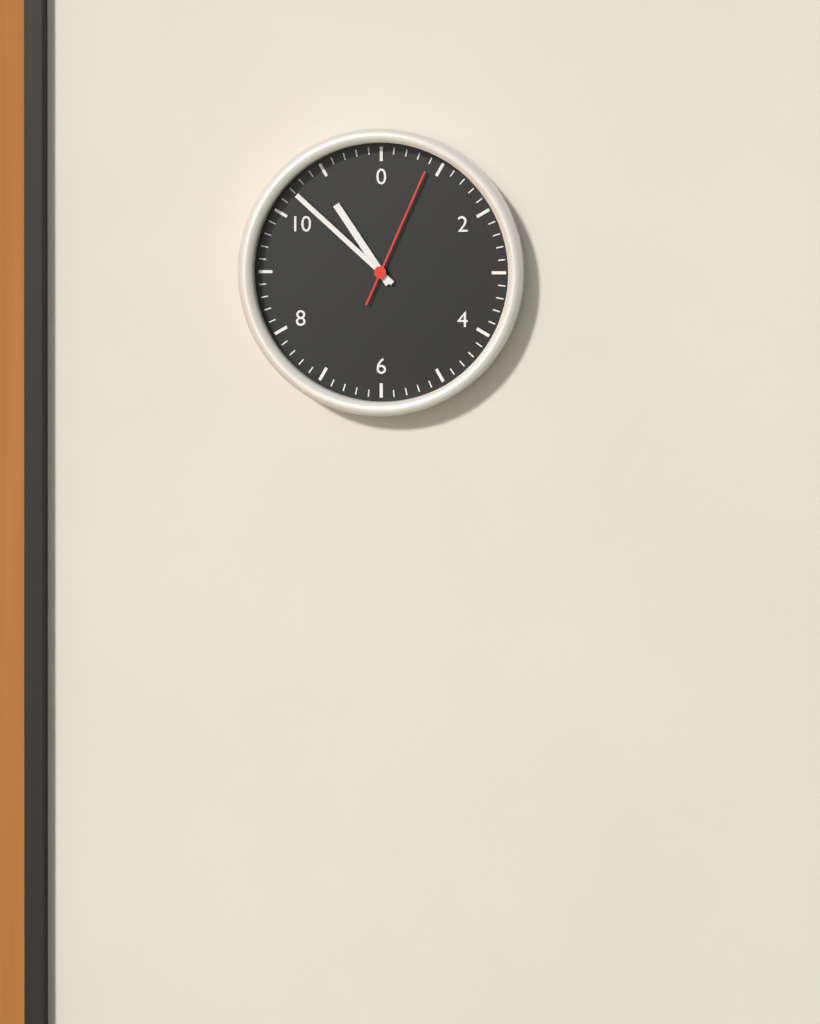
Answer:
**10:52:04**
